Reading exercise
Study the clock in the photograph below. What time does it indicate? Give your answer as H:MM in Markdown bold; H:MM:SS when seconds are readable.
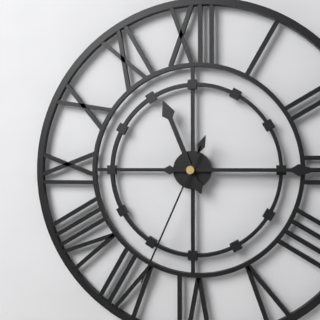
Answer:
**11:15:34**
